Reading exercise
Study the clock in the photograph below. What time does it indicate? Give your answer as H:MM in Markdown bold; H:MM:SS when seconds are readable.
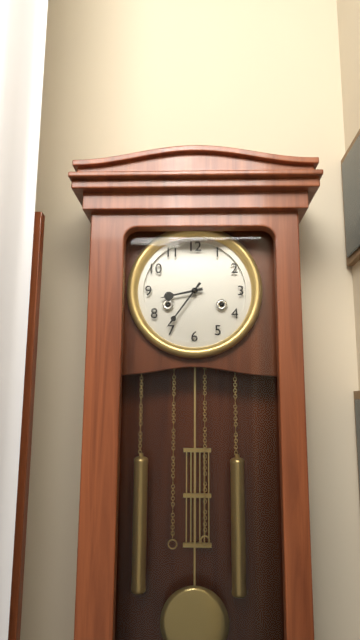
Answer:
**8:36**
